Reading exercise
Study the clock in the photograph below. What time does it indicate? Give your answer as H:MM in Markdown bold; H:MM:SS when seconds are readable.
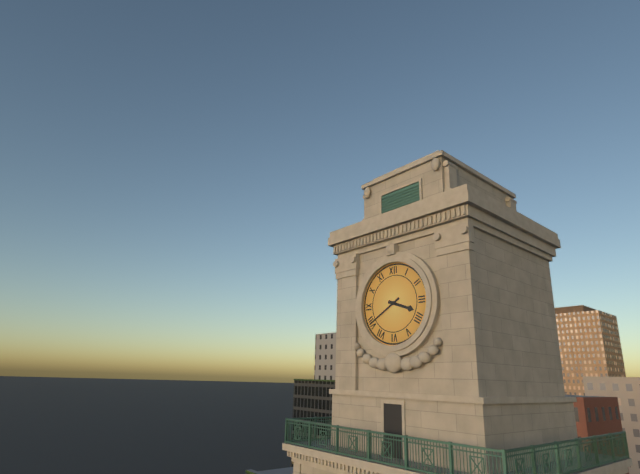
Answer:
**3:40**
